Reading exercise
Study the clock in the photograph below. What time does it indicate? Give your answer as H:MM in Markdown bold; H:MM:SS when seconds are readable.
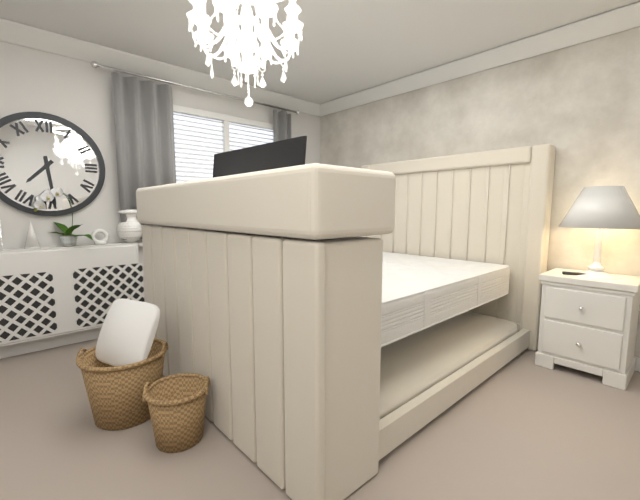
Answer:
**7:29**
